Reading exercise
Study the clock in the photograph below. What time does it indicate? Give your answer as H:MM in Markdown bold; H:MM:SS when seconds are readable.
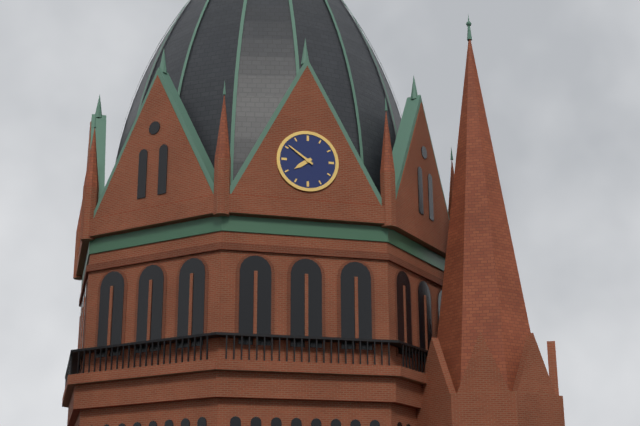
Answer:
**7:51**
